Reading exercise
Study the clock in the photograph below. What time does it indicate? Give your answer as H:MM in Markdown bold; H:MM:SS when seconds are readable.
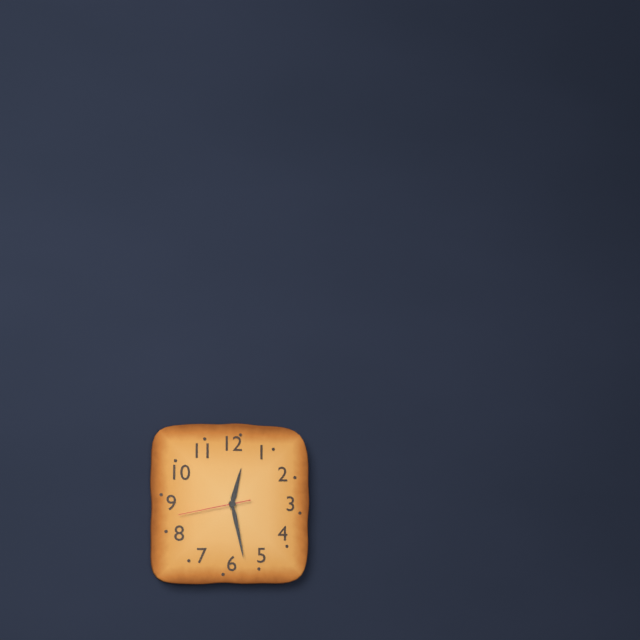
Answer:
**12:28:43**
